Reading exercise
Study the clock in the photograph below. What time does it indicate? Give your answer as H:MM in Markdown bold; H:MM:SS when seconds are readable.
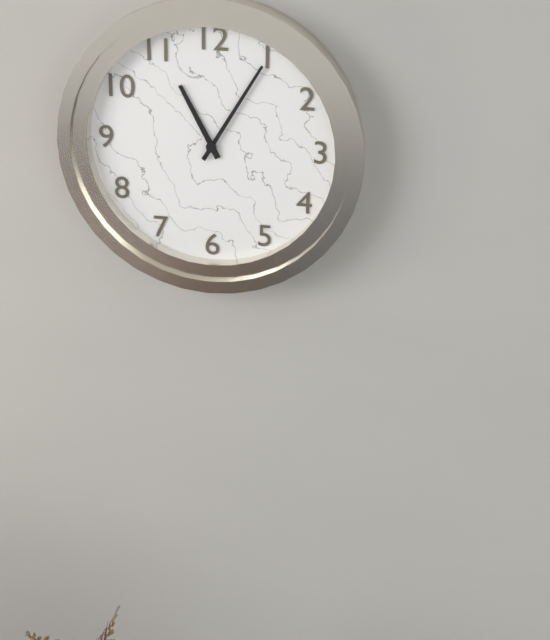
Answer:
**11:05**
